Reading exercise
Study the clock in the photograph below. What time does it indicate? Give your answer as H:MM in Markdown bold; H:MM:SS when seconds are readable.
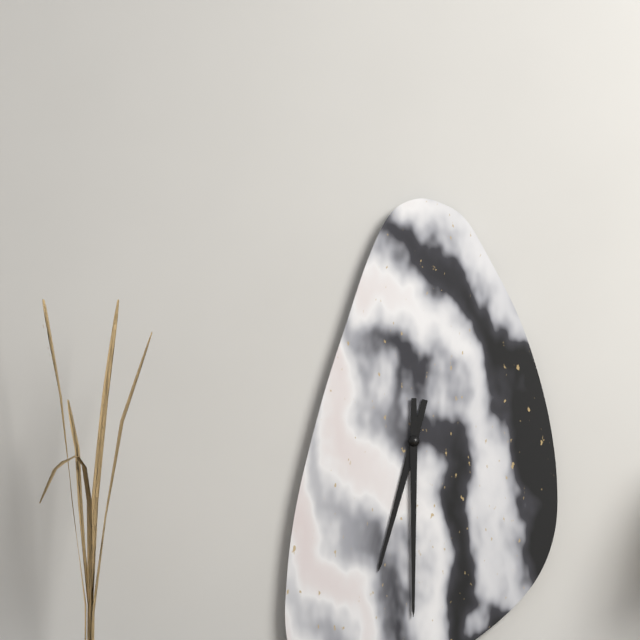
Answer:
**6:30**
